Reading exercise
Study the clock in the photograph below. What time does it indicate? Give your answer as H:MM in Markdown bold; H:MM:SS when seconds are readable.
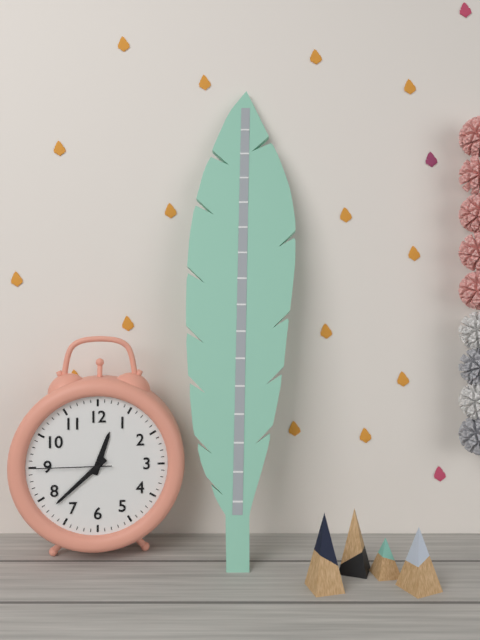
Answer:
**12:38:45**
